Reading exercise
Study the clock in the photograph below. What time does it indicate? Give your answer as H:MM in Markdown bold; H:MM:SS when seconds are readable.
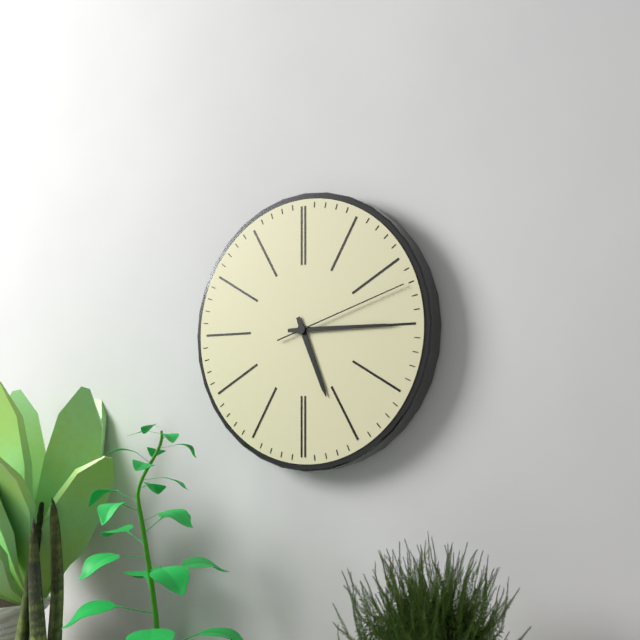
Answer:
**5:15:12**
